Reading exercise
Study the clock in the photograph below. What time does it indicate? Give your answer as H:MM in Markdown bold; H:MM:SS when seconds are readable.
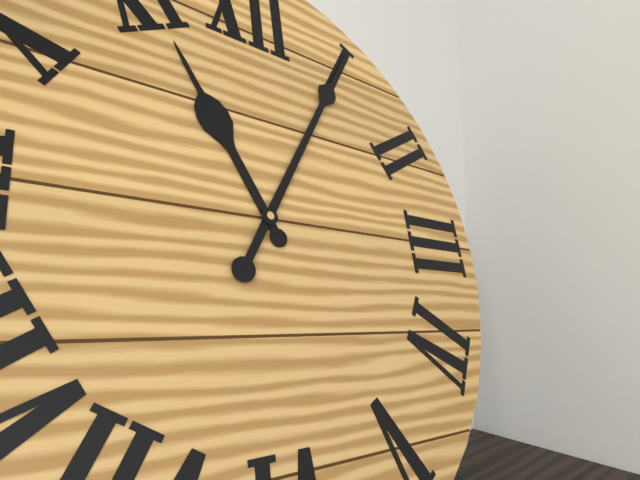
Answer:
**11:05**
